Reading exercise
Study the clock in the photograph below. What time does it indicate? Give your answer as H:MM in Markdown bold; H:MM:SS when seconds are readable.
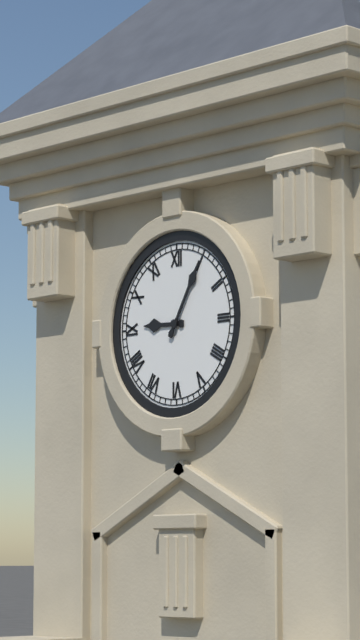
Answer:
**9:05**
